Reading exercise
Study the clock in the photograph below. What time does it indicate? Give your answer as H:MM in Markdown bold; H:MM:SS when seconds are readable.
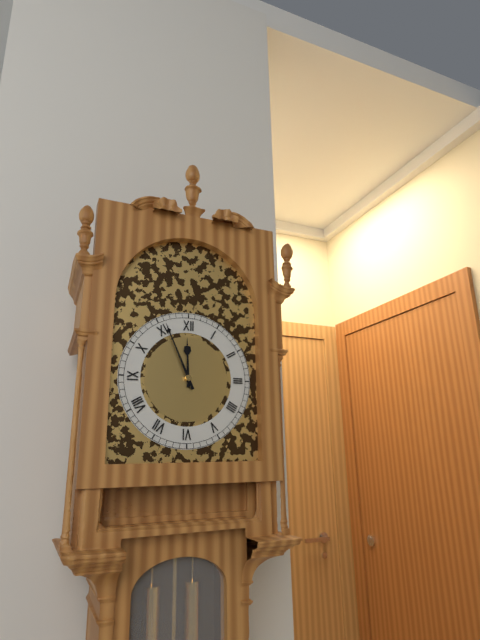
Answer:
**11:56**
